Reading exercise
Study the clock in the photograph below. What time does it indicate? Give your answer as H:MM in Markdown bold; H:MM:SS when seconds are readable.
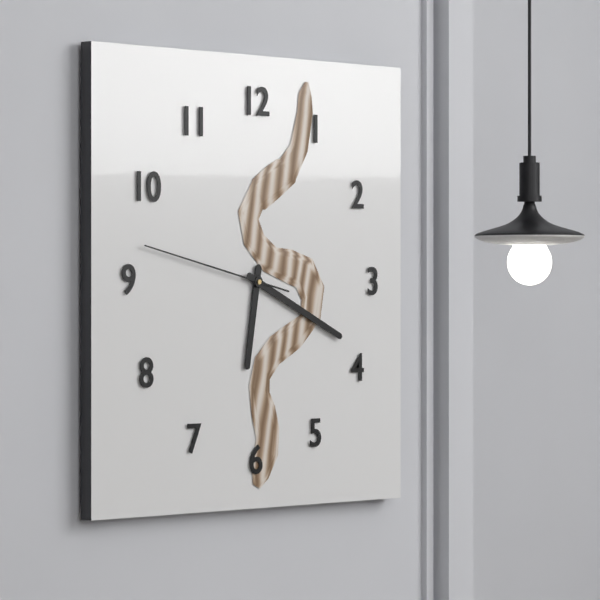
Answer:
**6:19:47**
